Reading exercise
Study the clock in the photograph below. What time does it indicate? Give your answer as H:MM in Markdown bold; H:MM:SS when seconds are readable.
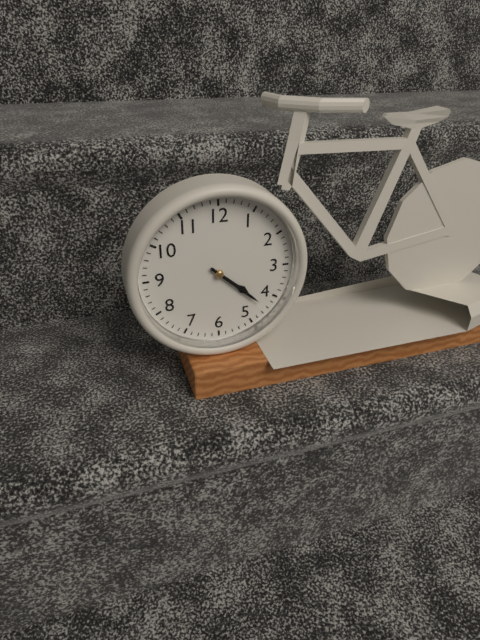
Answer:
**4:22**
